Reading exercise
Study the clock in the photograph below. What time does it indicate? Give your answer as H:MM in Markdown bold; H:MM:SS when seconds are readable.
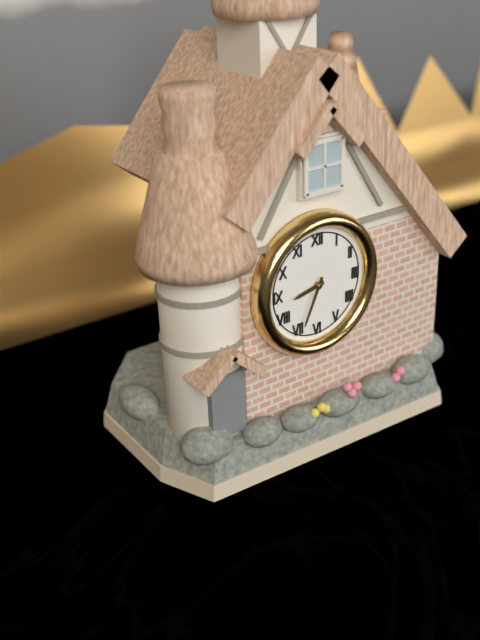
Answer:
**8:34**
